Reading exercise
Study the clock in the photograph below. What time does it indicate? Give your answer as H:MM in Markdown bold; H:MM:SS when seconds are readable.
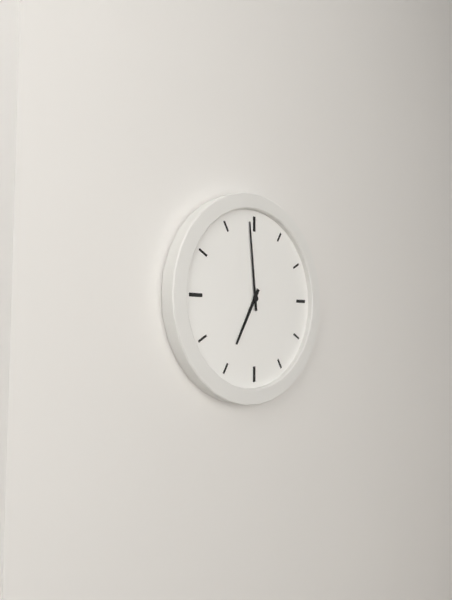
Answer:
**6:59**
